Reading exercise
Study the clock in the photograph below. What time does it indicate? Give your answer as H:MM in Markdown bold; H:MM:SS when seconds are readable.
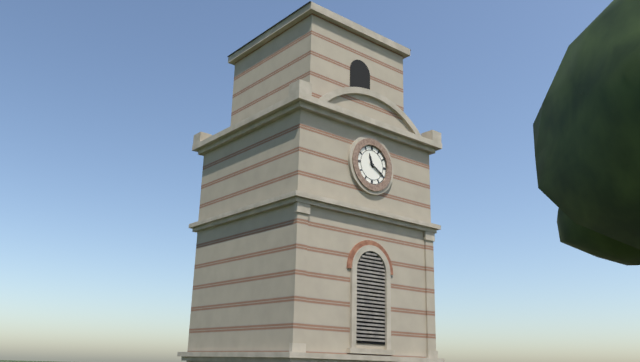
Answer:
**11:20**
